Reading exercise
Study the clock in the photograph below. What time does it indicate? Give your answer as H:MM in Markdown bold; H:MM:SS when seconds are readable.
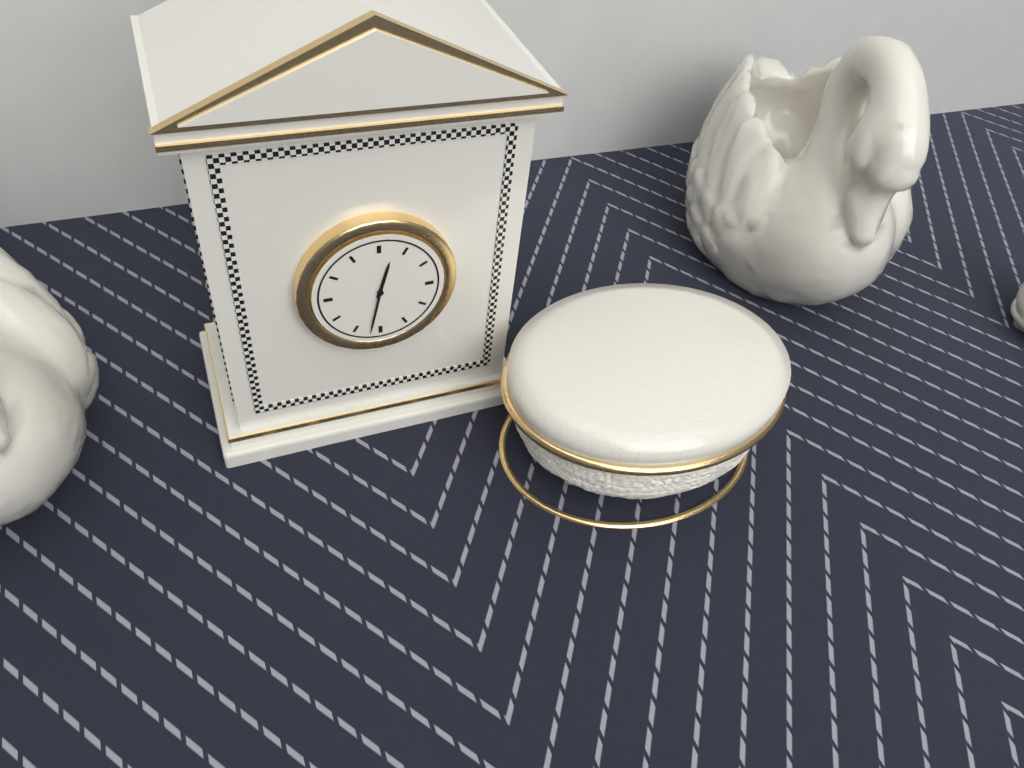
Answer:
**12:32**
